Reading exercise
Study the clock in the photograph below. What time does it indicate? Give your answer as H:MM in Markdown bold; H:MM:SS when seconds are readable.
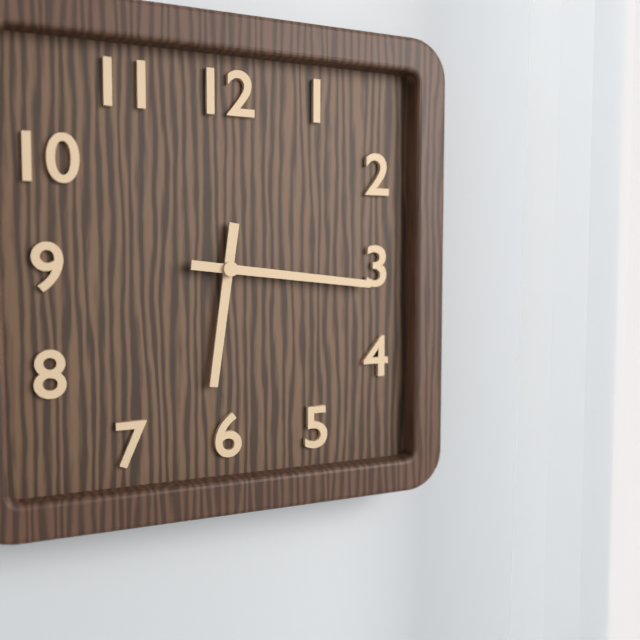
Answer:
**6:16**
